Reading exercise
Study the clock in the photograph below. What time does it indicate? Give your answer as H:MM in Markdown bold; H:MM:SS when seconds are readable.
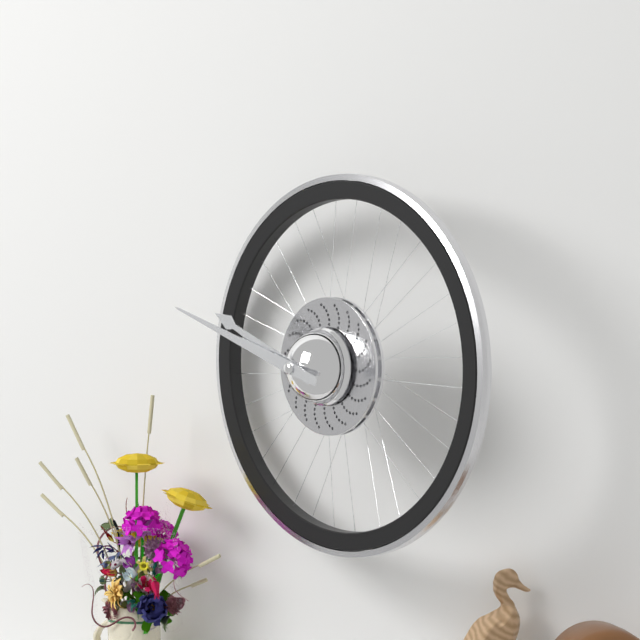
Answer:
**9:48**
